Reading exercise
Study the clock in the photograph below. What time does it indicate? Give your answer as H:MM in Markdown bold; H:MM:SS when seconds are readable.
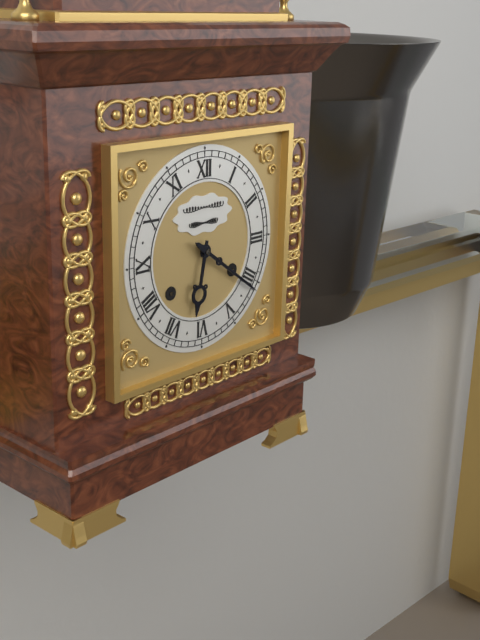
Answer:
**6:21**
